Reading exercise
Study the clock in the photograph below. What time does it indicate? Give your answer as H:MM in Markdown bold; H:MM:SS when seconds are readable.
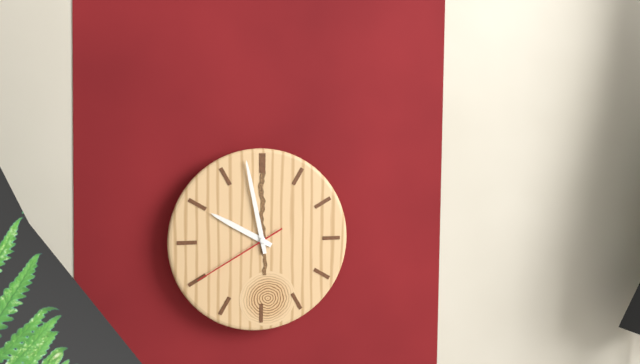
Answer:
**9:58:40**
